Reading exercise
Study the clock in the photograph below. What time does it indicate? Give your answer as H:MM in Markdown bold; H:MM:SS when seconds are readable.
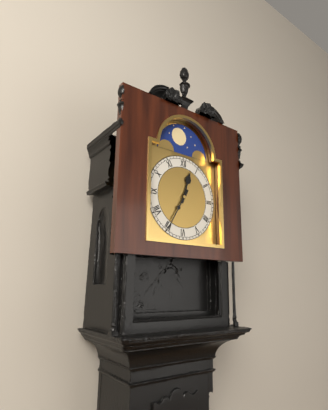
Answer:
**12:35**
